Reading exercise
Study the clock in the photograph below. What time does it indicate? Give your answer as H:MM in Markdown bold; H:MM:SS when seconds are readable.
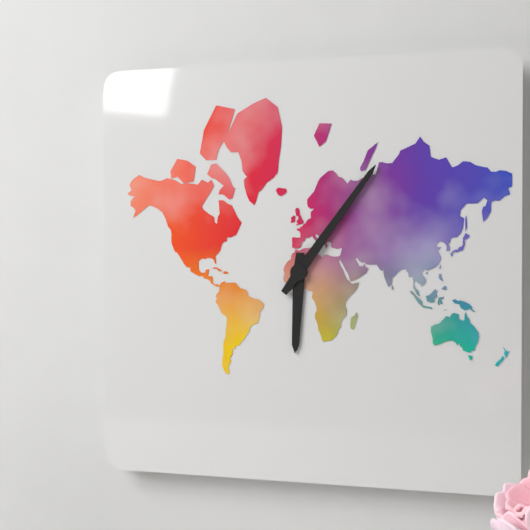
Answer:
**6:06**
